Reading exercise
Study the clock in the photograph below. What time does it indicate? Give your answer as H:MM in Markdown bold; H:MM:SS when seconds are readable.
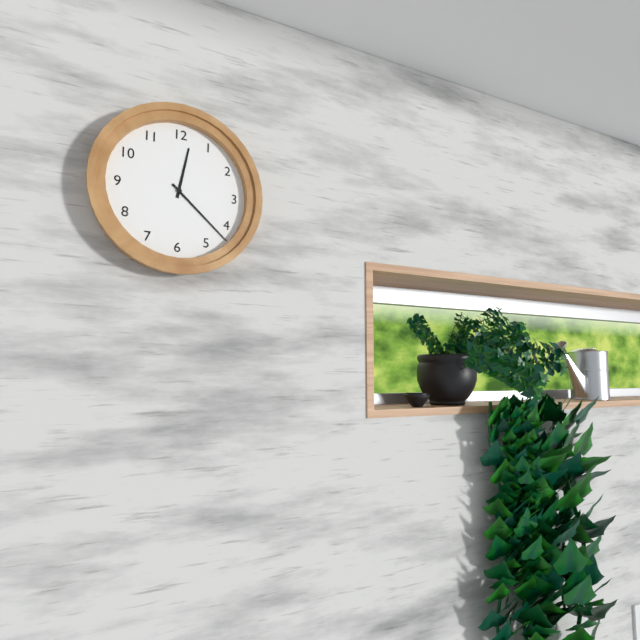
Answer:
**12:22**
